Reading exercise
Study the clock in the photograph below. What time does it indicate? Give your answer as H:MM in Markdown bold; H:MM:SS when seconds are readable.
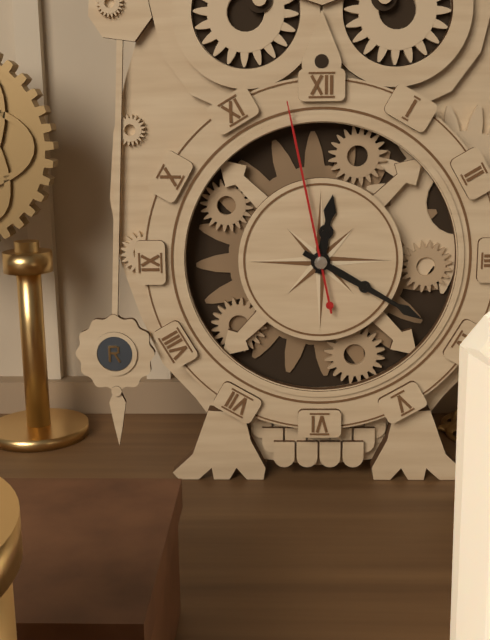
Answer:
**12:20:58**
